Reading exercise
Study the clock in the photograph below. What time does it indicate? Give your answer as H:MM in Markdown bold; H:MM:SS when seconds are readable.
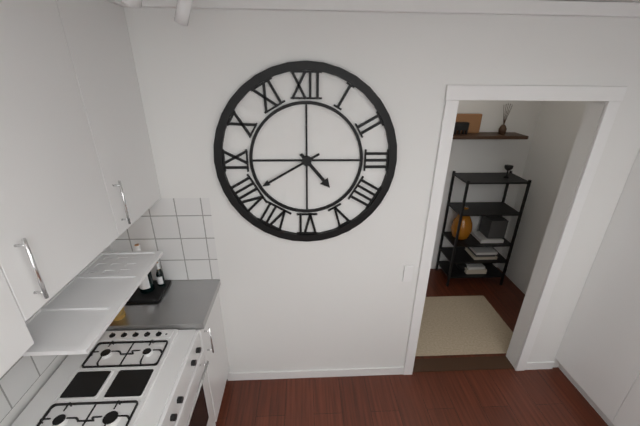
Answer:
**4:40**
